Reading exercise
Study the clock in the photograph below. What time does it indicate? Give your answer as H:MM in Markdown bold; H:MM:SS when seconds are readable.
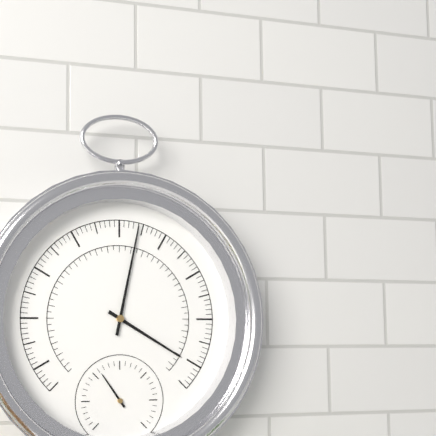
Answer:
**4:02**
